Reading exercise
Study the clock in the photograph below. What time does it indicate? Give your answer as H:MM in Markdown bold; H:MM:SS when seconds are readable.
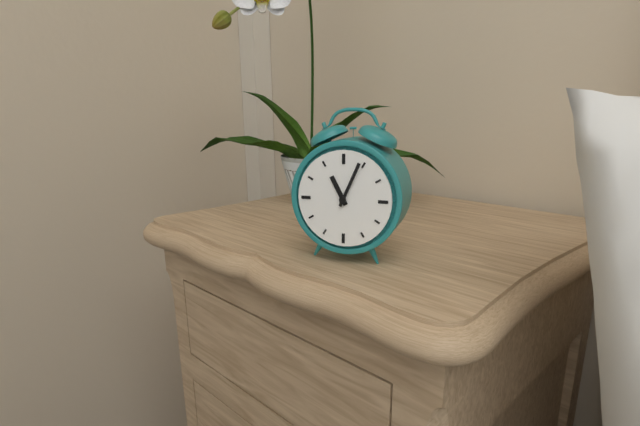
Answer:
**11:04**
